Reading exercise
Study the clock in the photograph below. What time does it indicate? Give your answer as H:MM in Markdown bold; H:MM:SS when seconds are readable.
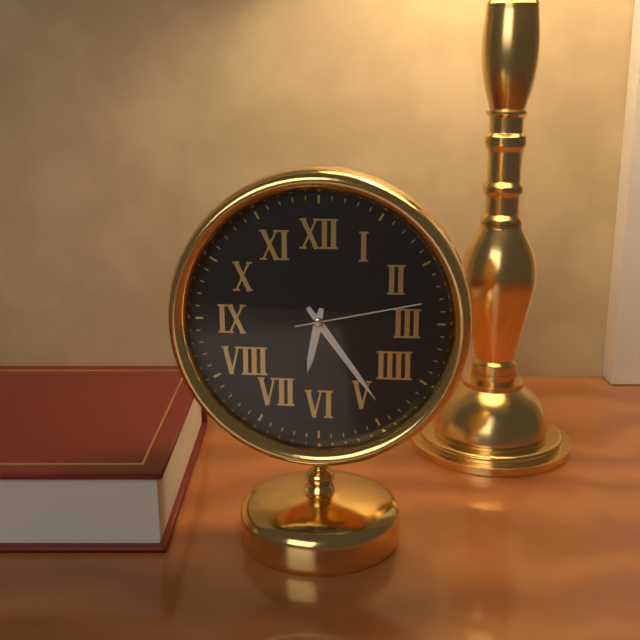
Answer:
**6:24:13**
